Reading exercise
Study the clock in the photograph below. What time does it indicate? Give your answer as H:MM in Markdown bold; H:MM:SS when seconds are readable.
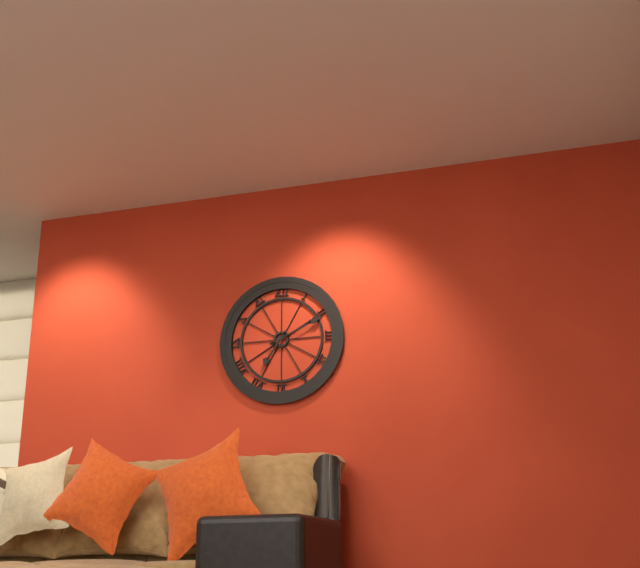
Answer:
**7:11**
